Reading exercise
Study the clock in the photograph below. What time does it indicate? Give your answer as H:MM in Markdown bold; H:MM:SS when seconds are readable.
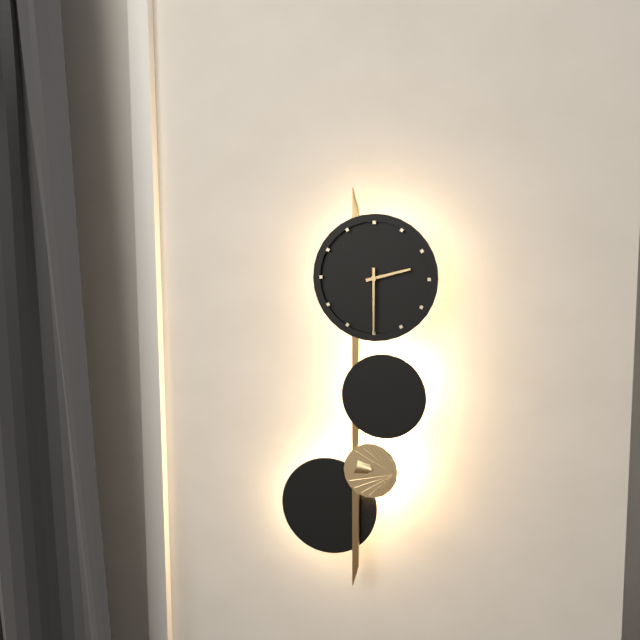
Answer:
**2:30**
